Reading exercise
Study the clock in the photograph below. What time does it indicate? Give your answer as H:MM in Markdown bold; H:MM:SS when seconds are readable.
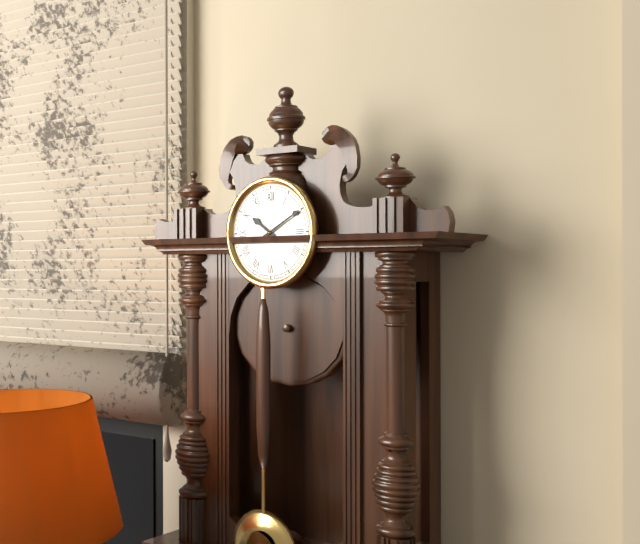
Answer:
**10:10**
